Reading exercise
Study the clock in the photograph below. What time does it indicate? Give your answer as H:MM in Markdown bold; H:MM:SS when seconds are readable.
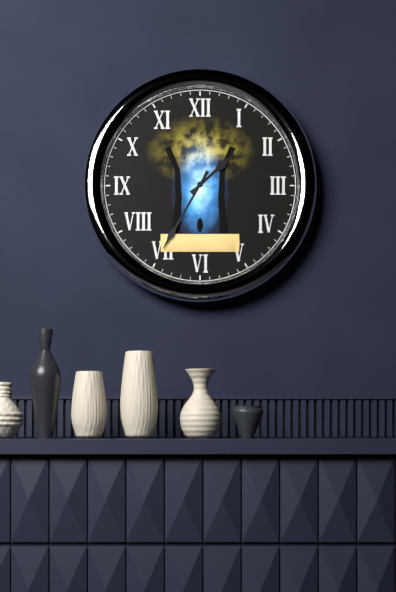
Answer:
**1:35**
